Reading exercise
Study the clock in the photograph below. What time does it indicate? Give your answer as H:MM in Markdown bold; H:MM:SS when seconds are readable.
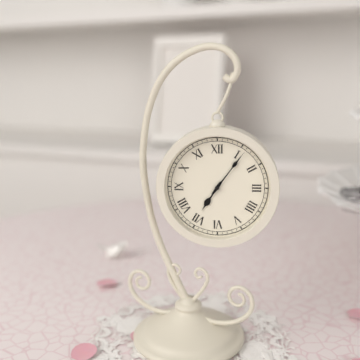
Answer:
**7:06**
